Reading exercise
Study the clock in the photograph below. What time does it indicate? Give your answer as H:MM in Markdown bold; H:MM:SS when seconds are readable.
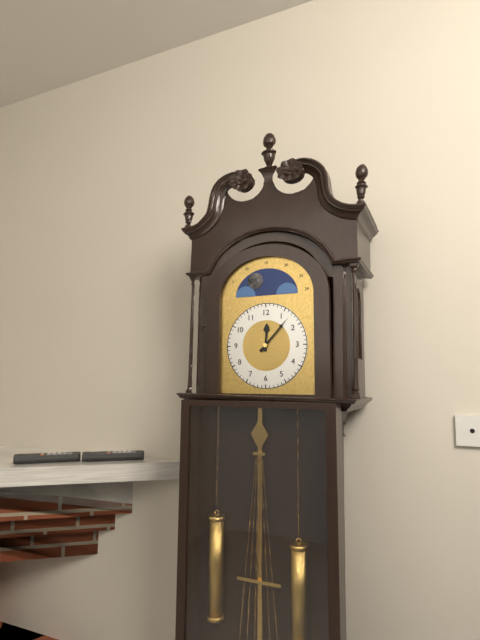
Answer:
**12:07**
